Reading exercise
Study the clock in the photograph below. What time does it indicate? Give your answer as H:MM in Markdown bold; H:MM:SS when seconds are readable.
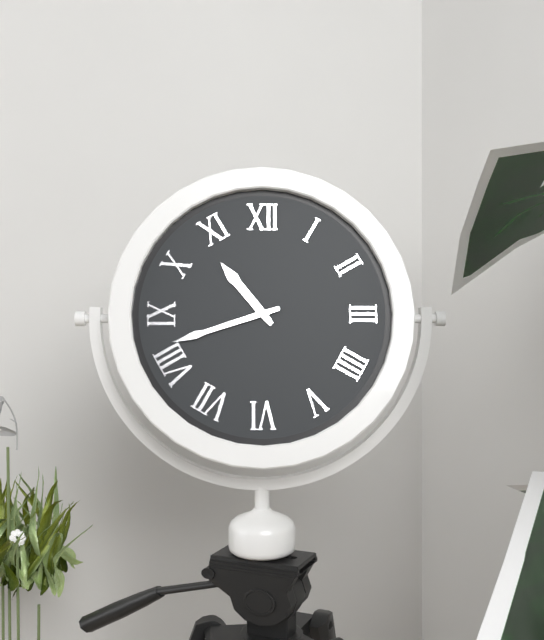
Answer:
**10:42**
